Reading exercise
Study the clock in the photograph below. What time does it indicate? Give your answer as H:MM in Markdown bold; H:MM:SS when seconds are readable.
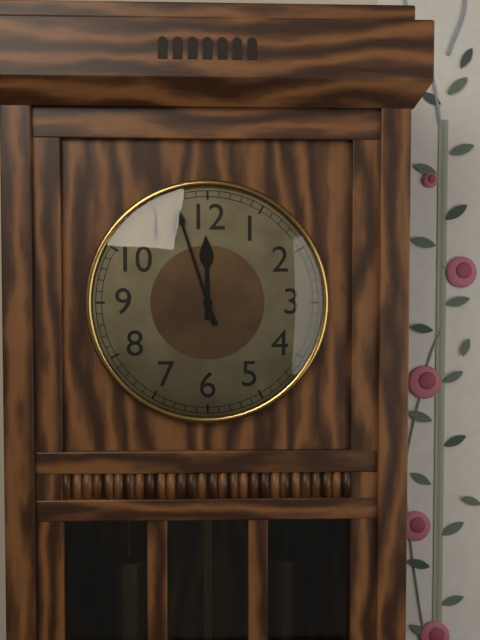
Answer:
**11:57**
